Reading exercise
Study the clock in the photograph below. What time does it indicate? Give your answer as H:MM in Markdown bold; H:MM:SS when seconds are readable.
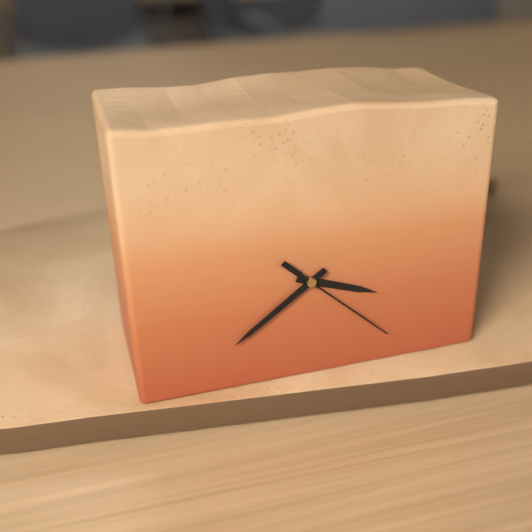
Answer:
**3:39:22**
